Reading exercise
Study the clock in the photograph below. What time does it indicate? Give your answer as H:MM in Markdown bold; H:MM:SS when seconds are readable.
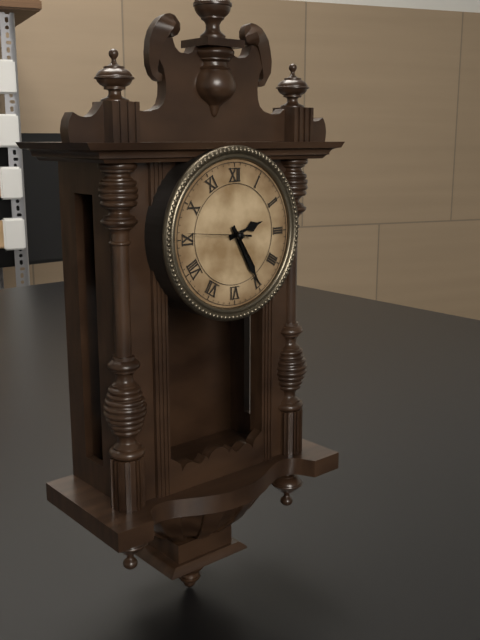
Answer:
**2:25:46**
